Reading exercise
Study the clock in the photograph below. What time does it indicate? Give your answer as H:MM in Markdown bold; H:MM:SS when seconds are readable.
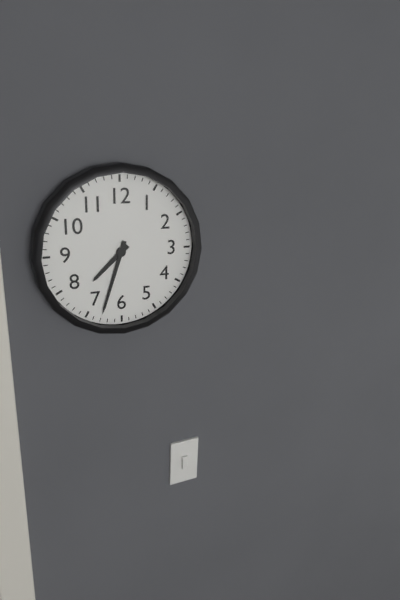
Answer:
**7:33**
